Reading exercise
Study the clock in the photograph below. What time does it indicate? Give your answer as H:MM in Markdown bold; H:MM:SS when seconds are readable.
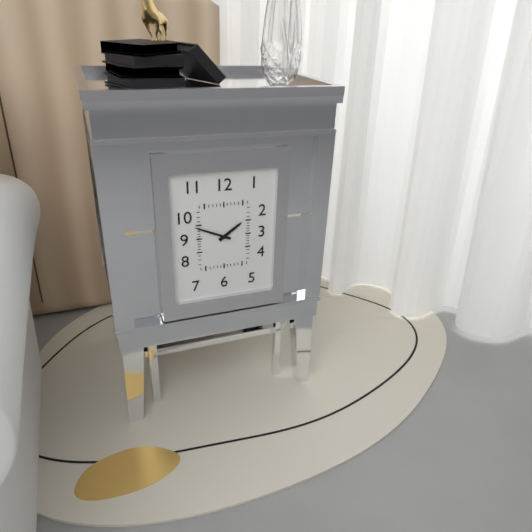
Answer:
**1:49**
